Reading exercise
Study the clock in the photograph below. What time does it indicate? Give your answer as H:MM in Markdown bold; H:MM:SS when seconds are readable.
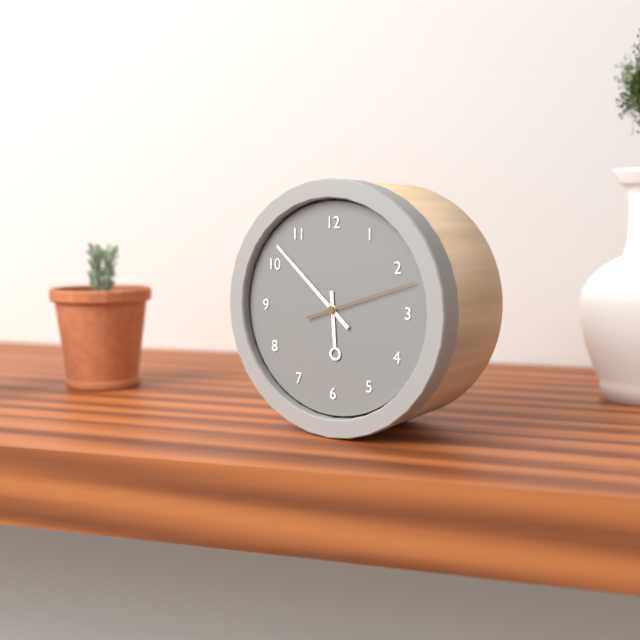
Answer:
**5:52:12**
